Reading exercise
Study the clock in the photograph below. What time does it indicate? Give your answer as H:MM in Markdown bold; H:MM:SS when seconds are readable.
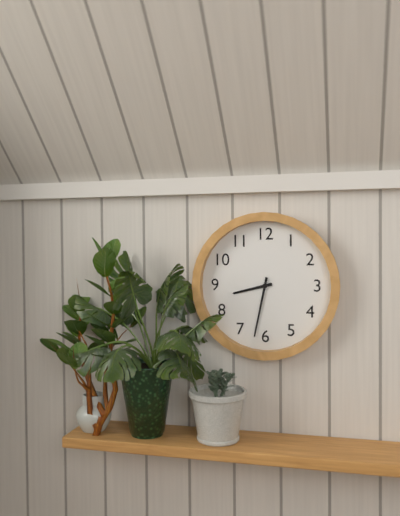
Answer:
**8:32**
